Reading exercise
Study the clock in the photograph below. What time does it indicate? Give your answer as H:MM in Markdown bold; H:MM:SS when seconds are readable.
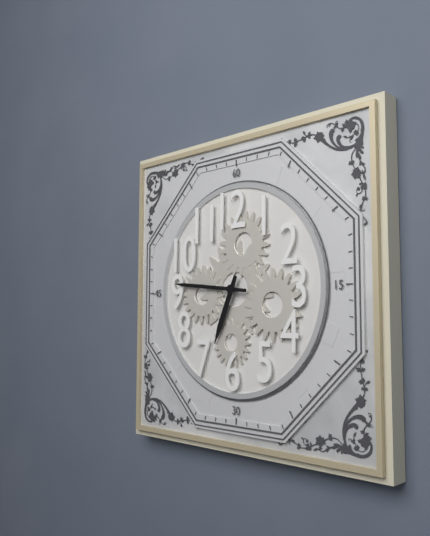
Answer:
**6:46**
